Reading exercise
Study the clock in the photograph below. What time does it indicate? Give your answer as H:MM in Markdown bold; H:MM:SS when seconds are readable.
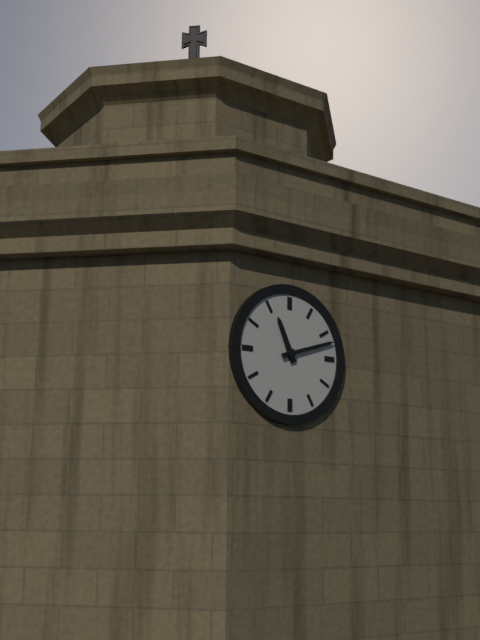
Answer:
**11:12**
